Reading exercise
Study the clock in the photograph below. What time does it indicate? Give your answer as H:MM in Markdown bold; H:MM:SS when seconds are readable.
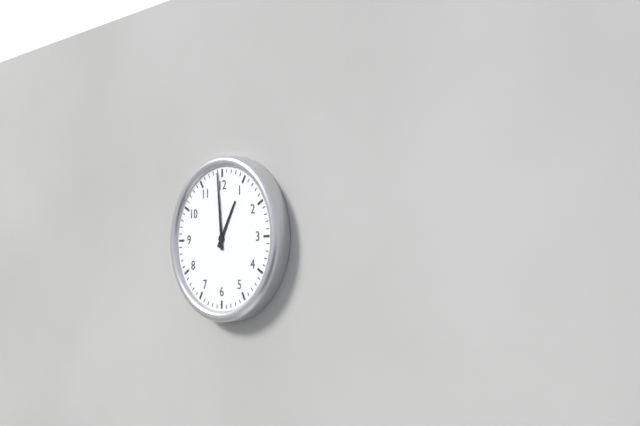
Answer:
**12:59**
